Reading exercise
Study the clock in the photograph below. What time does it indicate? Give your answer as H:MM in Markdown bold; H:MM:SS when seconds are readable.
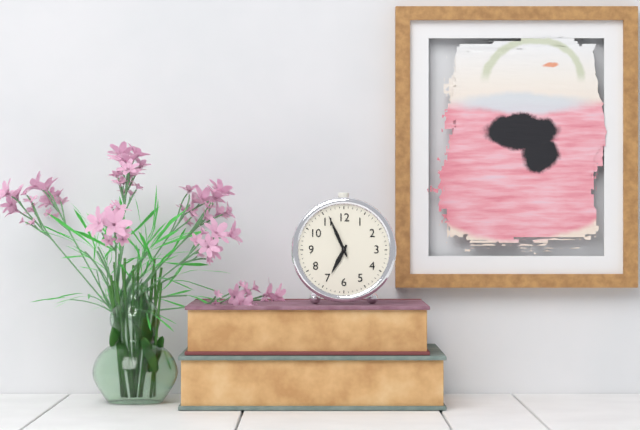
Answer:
**6:56**
